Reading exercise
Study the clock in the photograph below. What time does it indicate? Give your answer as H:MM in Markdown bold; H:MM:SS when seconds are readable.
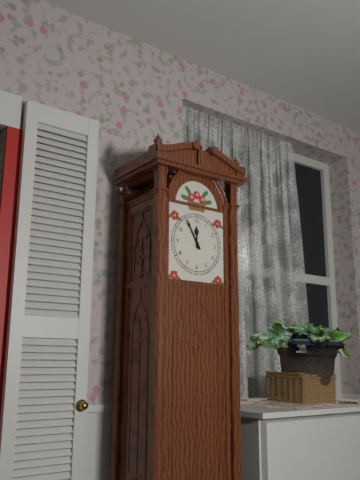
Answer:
**11:55**
